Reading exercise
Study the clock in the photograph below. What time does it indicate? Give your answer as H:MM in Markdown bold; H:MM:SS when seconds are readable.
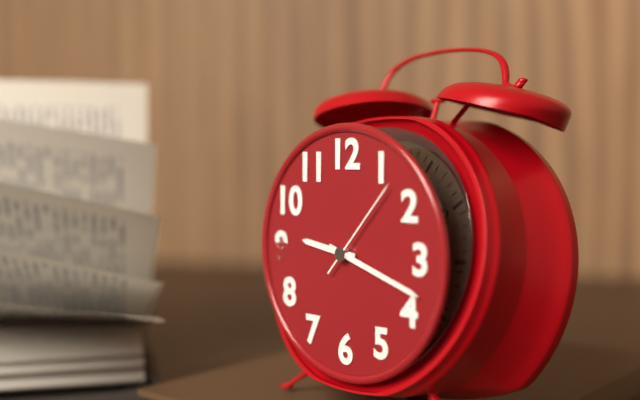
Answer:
**9:18:07**
